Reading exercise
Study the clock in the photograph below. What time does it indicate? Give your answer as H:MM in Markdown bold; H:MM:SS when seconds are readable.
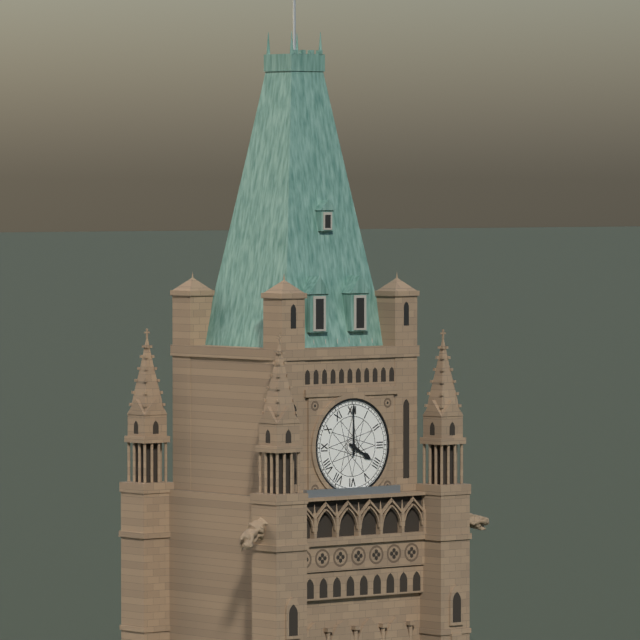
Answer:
**4:00**
